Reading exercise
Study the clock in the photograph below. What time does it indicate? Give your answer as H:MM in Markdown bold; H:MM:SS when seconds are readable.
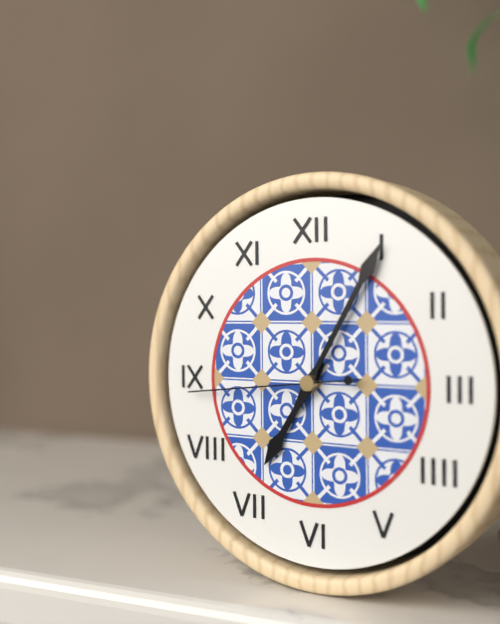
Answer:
**7:05:44**
